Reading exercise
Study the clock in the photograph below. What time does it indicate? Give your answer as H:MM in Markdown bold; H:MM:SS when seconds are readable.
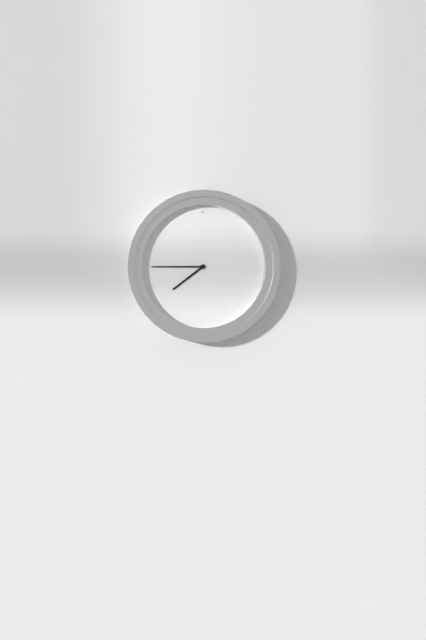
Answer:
**7:45**
